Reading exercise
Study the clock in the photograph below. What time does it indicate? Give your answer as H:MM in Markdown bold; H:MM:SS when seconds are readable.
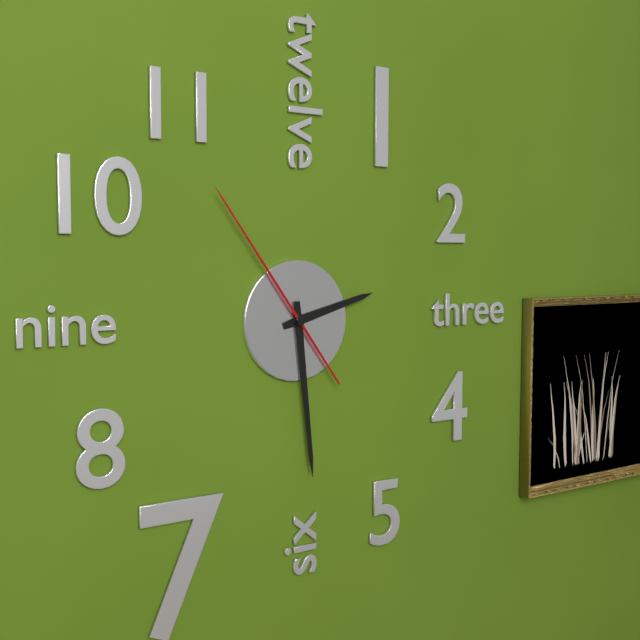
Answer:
**2:29:54**
